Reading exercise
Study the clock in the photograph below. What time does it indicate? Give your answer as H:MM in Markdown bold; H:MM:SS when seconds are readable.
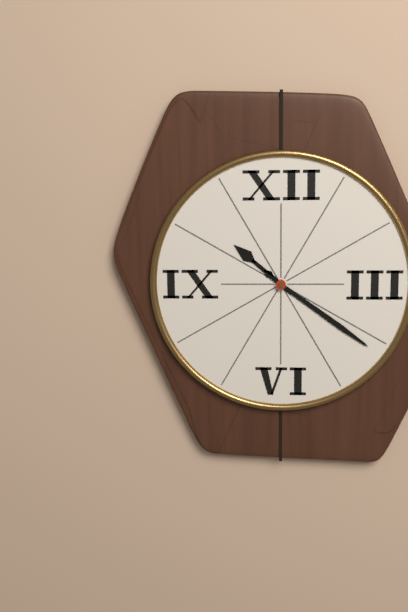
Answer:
**10:21**
